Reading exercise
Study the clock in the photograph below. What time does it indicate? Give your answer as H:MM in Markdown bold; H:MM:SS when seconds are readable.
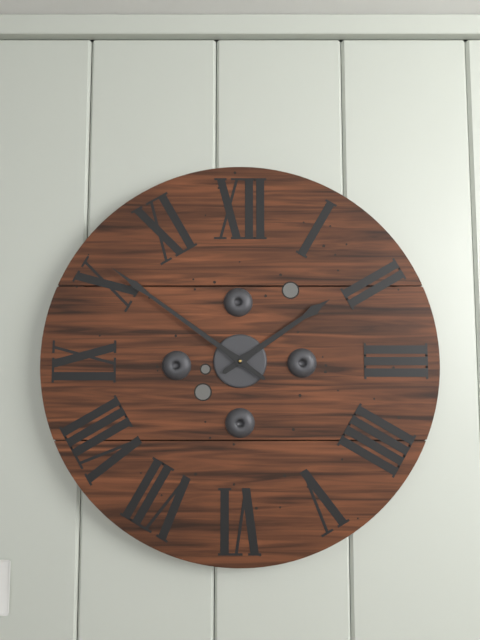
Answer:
**1:51**
